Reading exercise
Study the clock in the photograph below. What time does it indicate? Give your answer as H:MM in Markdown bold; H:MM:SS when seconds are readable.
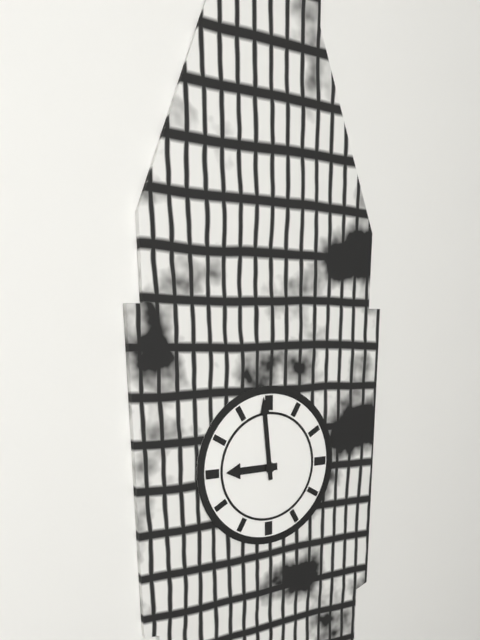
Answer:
**8:59**
